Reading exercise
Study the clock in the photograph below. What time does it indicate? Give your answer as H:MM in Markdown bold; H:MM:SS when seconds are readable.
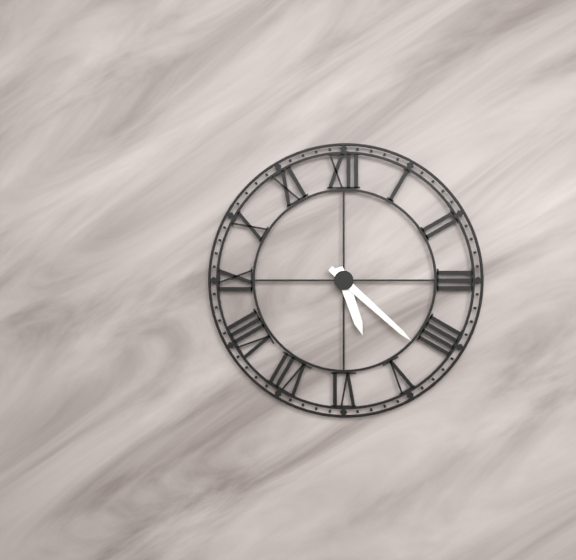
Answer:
**5:22**
